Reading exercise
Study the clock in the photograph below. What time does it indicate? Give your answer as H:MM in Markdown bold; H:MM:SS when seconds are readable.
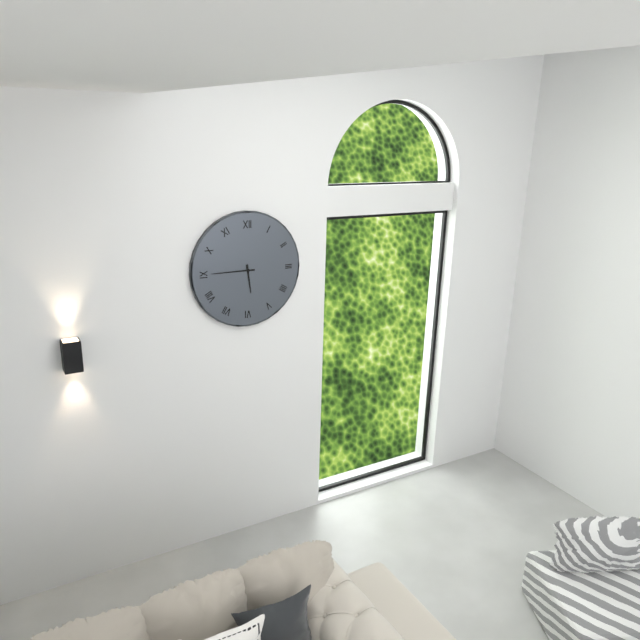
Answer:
**5:45**
